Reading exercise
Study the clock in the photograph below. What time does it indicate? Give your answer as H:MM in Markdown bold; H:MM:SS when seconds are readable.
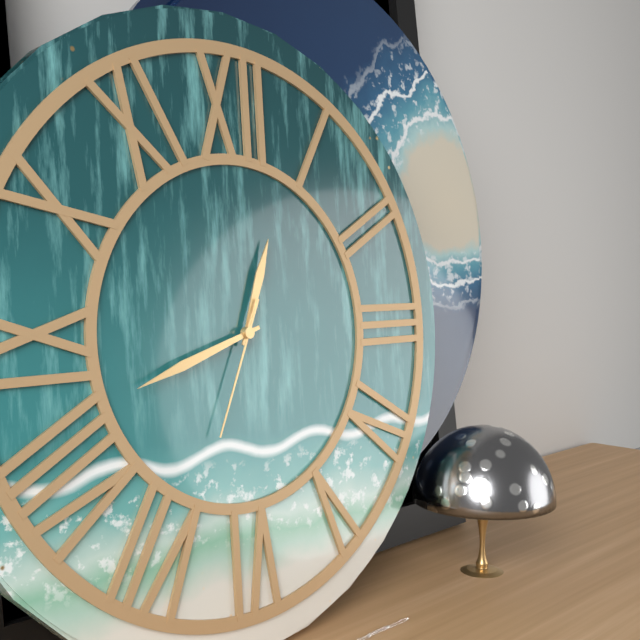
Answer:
**12:42:34**
